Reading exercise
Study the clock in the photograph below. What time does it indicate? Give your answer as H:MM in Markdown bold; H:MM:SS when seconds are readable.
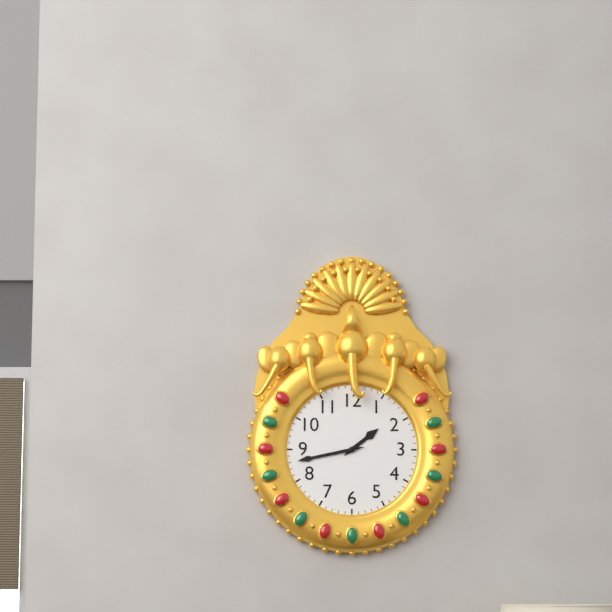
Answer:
**1:43**
